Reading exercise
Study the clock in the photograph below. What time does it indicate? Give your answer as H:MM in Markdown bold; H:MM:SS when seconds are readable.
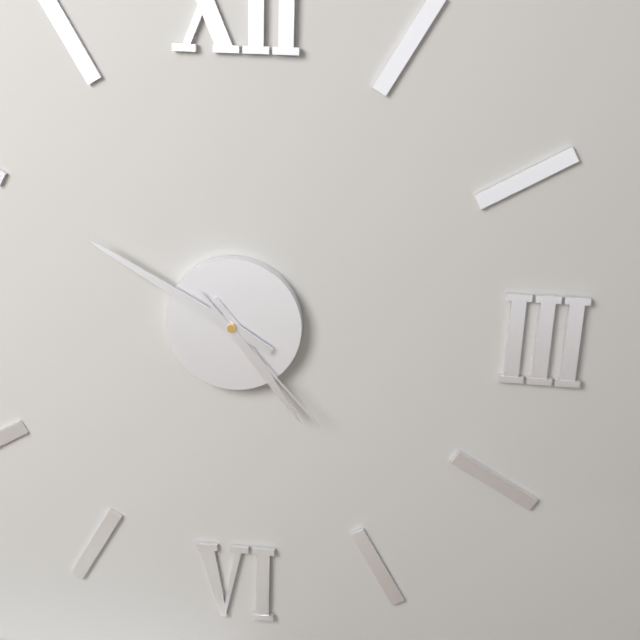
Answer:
**4:50:23**
